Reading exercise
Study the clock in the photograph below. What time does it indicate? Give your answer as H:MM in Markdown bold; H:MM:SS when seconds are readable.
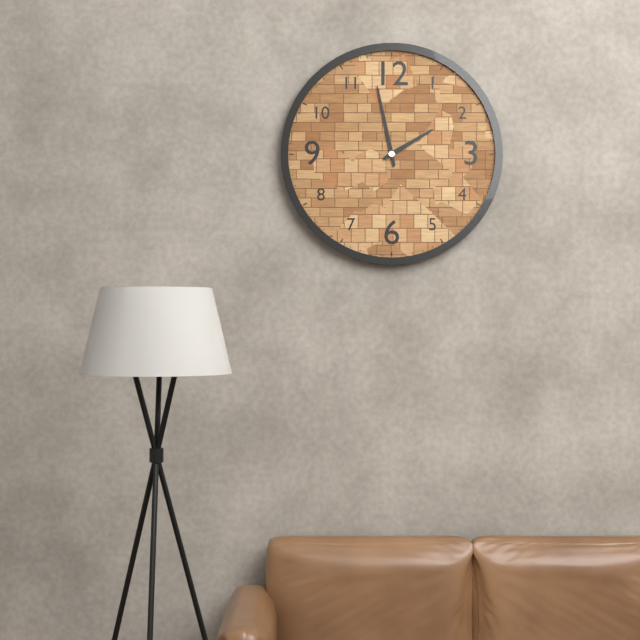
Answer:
**1:58**
